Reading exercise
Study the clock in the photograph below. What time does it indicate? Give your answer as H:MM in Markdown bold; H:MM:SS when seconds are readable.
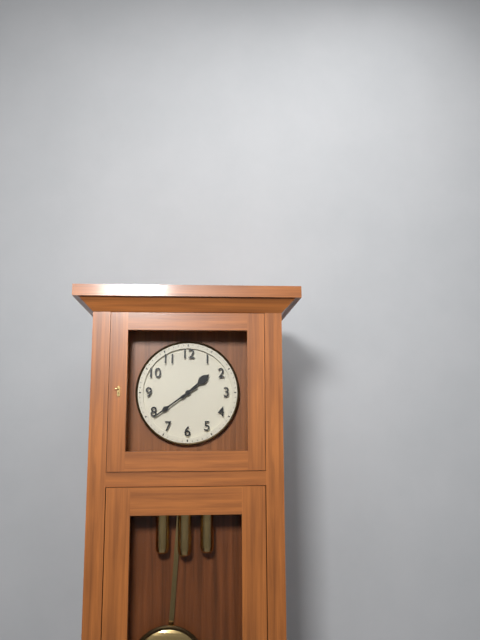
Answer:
**1:39**
